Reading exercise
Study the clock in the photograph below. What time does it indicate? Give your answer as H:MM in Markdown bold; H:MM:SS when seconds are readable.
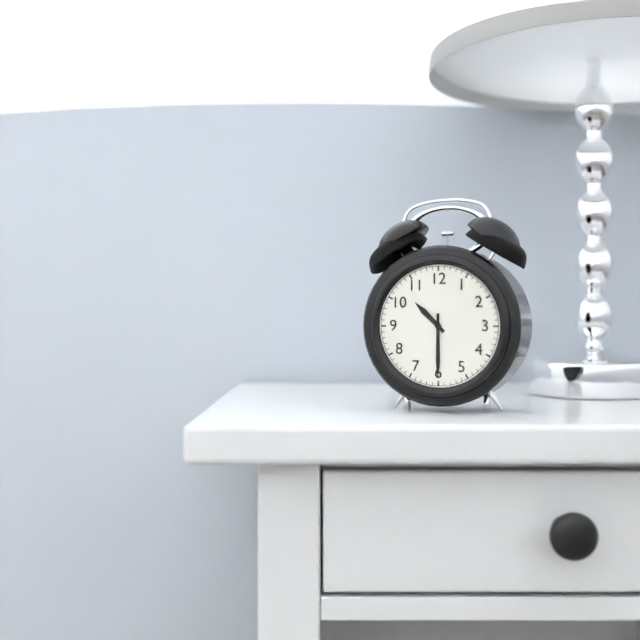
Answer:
**10:30**
